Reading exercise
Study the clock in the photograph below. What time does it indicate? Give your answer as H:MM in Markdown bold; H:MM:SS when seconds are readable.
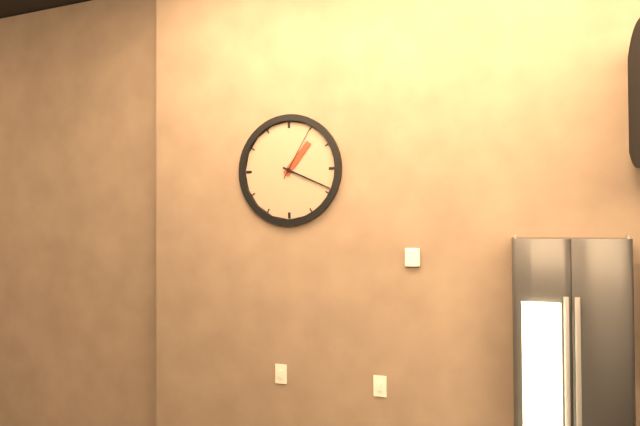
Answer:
**1:19:05**
